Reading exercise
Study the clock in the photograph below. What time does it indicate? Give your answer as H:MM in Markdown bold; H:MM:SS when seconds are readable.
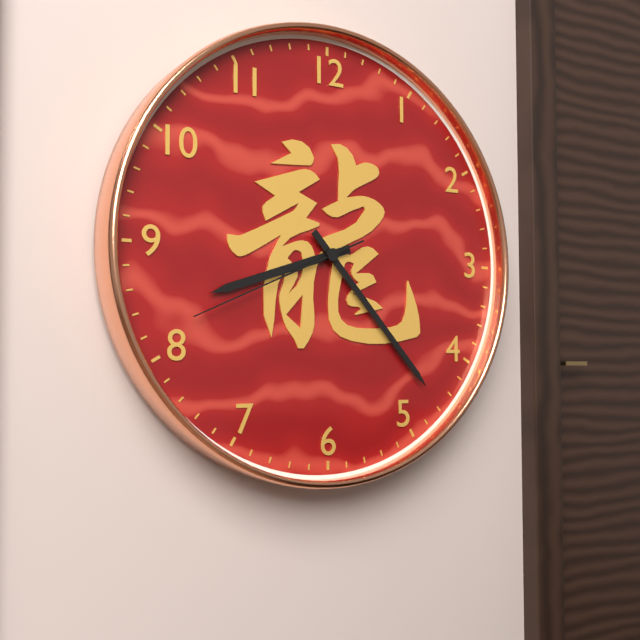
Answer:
**8:23:41**
